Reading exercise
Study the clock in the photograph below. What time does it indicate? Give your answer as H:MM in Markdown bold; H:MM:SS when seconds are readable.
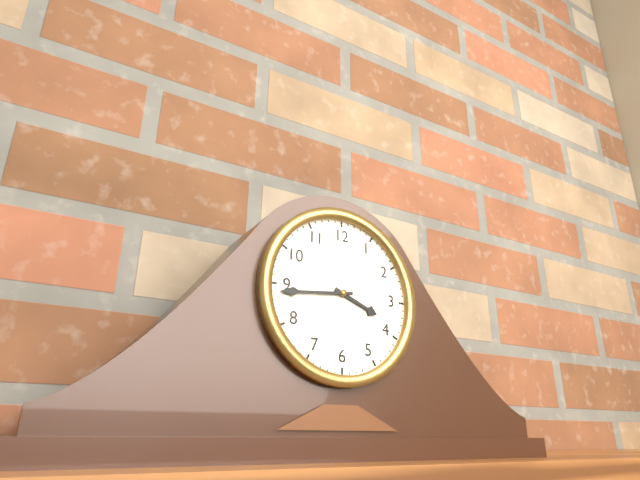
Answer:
**3:44**
